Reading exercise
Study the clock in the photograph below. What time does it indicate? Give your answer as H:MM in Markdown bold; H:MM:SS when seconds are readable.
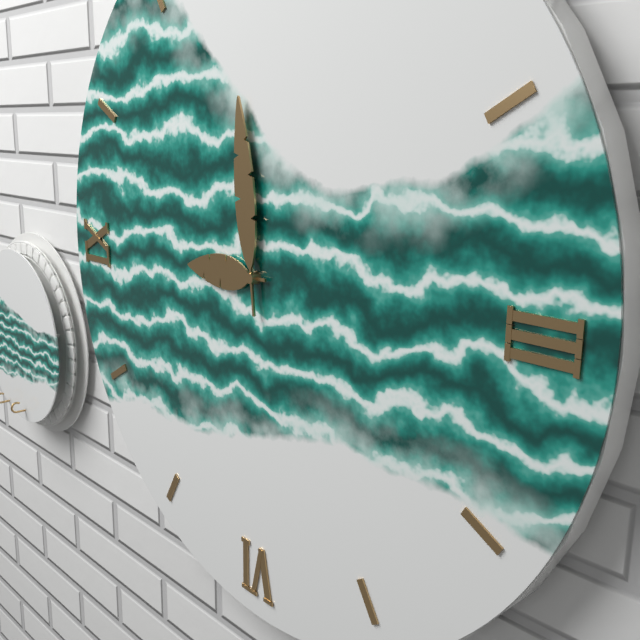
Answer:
**8:59**
